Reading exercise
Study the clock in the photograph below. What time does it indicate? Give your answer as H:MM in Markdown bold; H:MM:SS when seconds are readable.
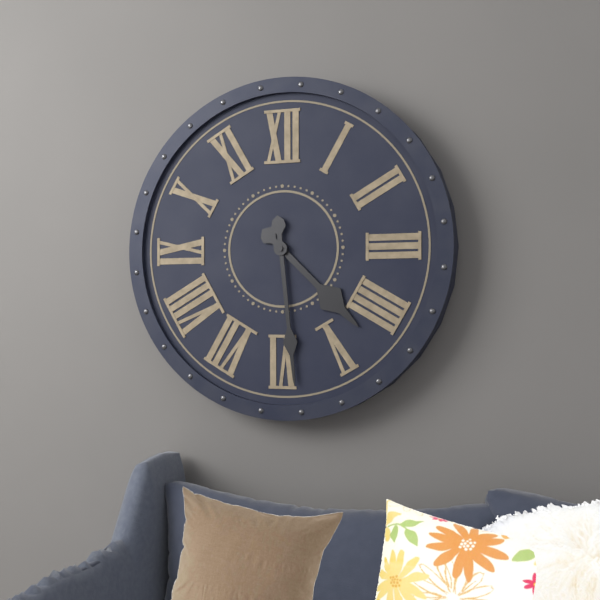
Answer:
**4:29**
